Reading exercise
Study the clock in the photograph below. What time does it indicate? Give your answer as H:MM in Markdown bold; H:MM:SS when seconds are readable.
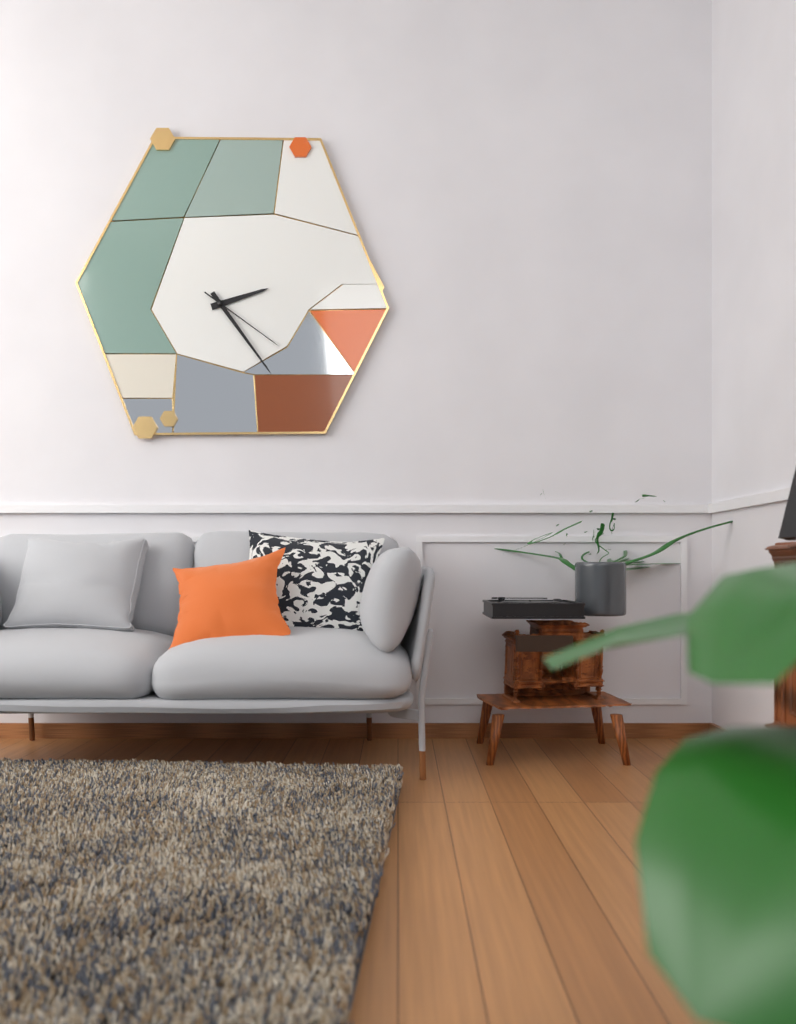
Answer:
**2:24:21**
